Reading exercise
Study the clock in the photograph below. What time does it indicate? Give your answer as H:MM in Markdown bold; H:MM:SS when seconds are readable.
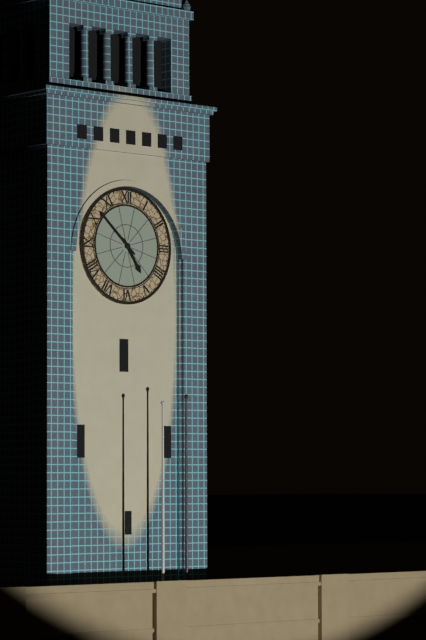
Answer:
**4:52**
